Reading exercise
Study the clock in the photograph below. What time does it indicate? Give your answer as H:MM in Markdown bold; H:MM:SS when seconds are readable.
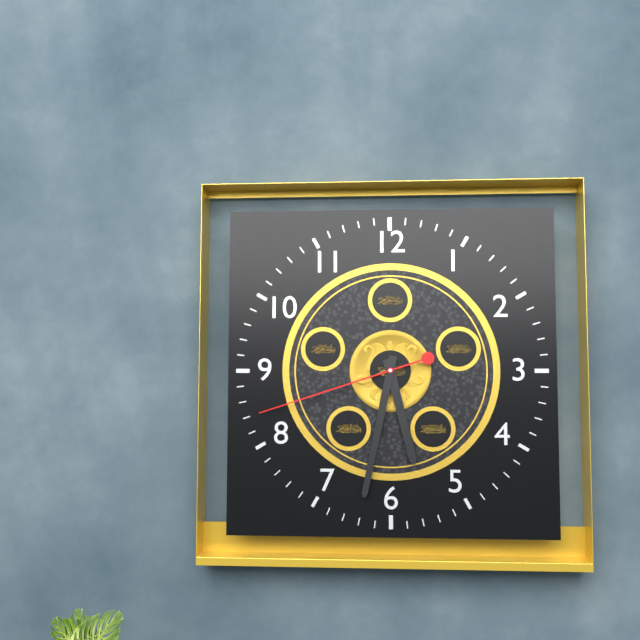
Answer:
**5:32:42**
